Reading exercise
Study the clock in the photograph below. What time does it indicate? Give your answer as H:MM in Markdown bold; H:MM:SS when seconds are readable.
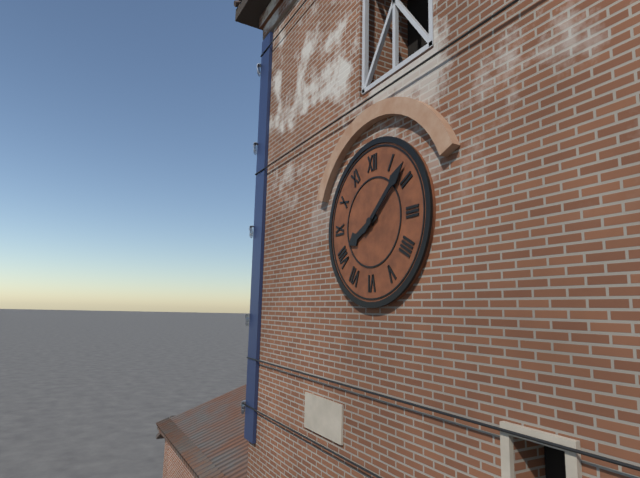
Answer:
**8:08**
